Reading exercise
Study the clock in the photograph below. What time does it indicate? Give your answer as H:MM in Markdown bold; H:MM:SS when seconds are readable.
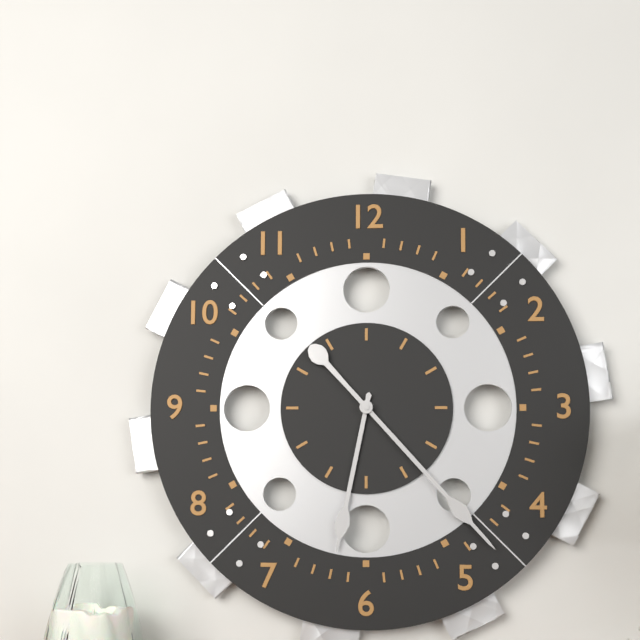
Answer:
**6:23**
